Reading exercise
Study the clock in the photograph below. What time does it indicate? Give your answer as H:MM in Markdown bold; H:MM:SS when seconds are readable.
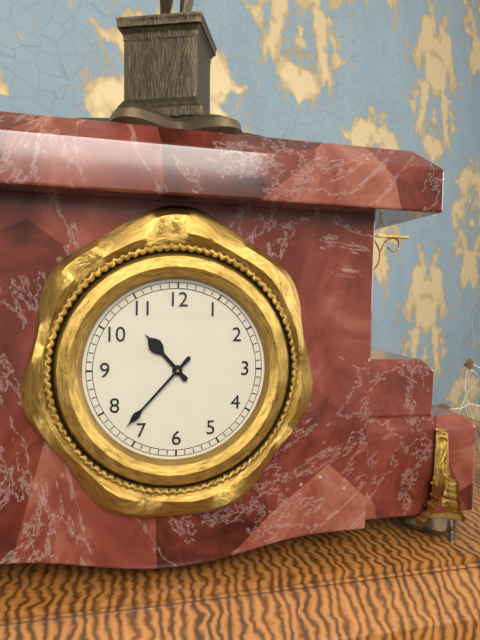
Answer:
**10:37**
